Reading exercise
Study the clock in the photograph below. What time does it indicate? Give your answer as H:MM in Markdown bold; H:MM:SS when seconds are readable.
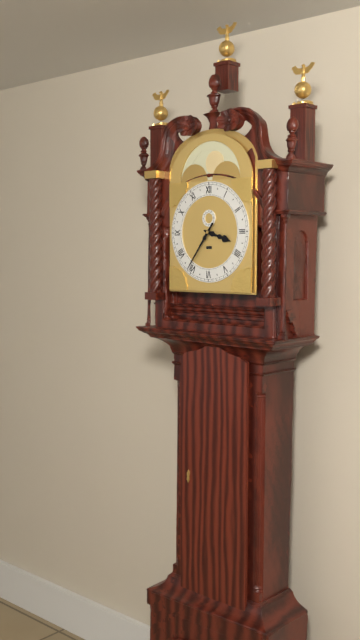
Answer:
**3:36**
